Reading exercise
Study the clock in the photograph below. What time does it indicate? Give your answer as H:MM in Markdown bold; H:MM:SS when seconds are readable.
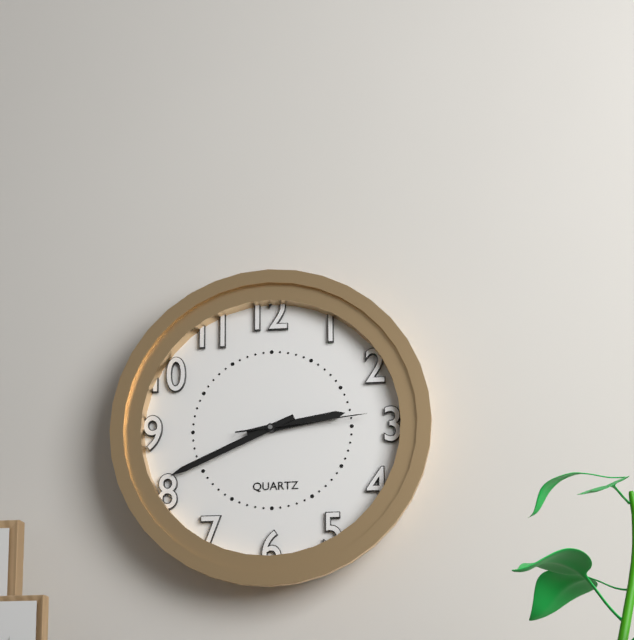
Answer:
**2:41:14**
